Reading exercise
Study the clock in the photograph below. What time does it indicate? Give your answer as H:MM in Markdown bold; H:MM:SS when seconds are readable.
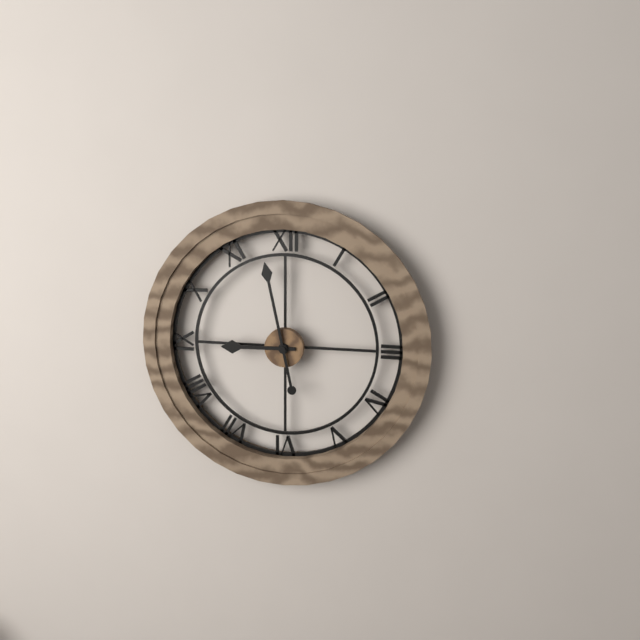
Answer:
**8:58**
